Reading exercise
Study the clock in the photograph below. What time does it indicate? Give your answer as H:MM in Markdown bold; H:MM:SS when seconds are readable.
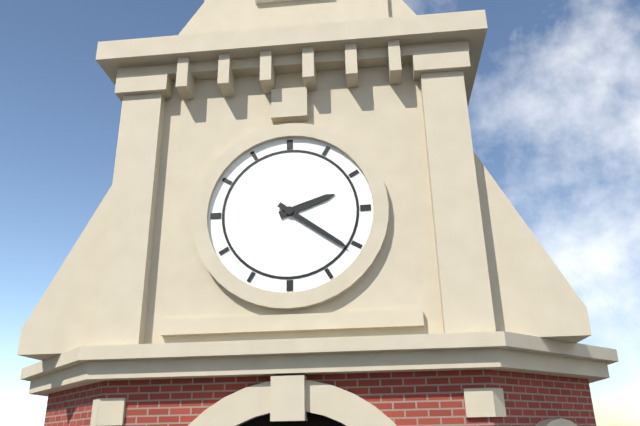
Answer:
**2:21**
